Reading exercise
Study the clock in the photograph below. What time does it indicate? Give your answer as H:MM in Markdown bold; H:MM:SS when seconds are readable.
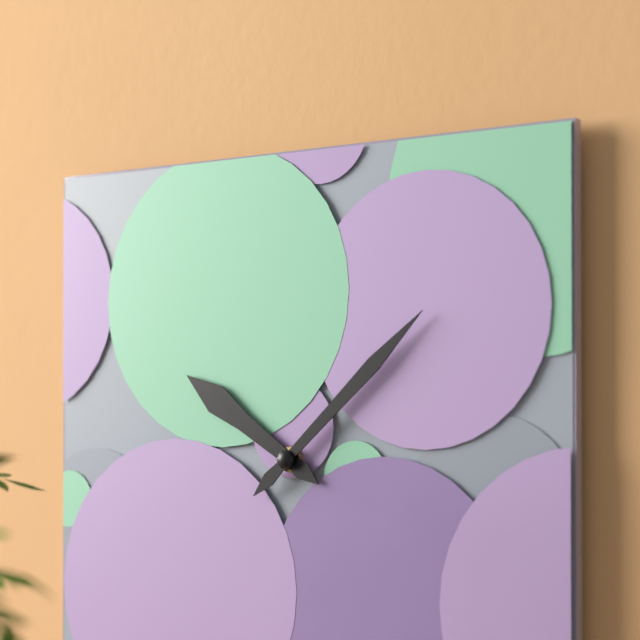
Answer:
**10:08**
